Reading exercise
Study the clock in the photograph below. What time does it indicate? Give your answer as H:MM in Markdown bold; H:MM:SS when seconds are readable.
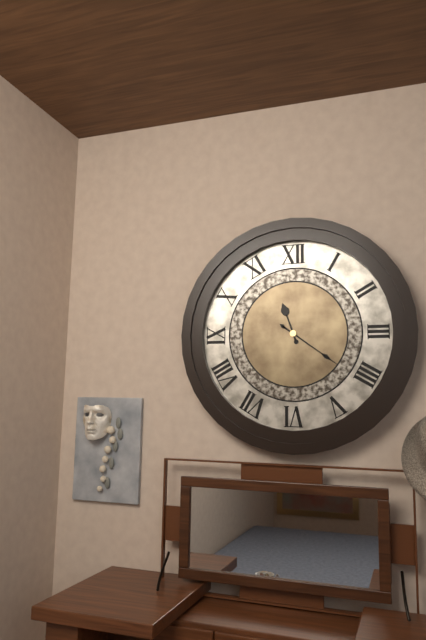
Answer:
**11:21**
